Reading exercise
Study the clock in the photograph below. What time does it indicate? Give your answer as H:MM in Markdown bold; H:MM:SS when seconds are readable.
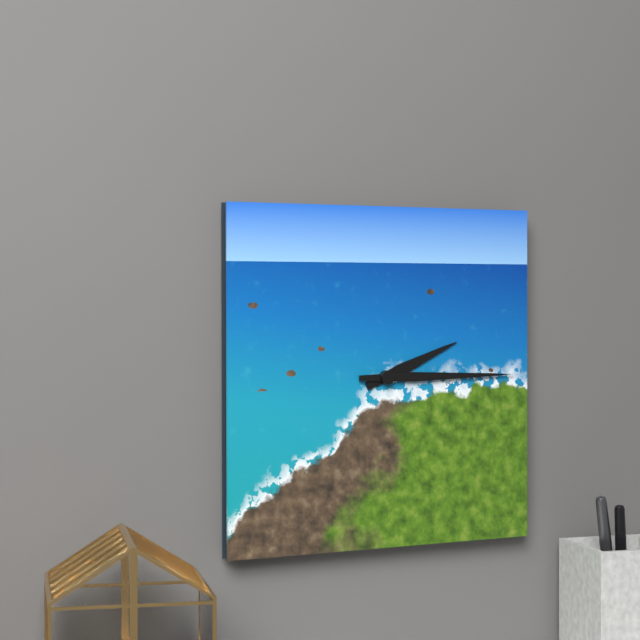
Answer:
**2:15**
